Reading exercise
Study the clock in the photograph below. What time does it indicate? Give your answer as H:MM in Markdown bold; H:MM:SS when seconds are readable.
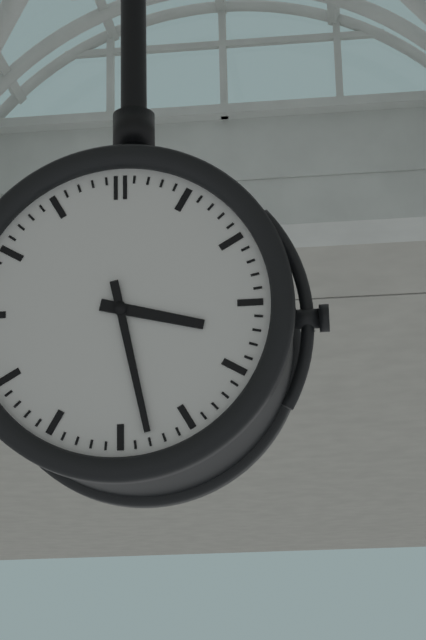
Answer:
**3:28**
